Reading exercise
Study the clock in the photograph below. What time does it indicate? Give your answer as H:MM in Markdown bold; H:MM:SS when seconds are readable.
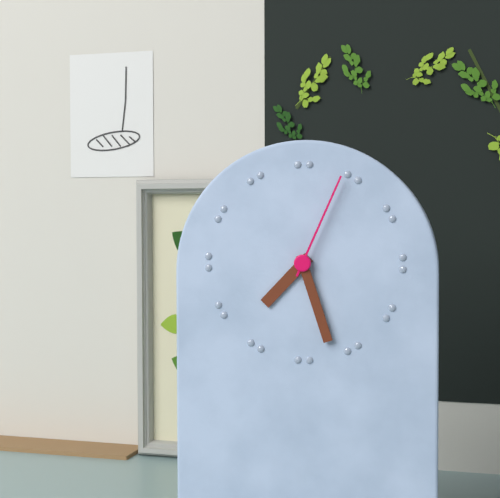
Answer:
**7:27:04**
